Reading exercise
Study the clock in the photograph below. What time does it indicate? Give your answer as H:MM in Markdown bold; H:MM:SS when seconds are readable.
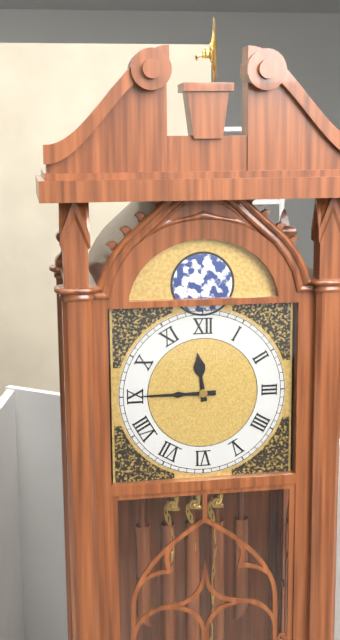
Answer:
**11:45**
